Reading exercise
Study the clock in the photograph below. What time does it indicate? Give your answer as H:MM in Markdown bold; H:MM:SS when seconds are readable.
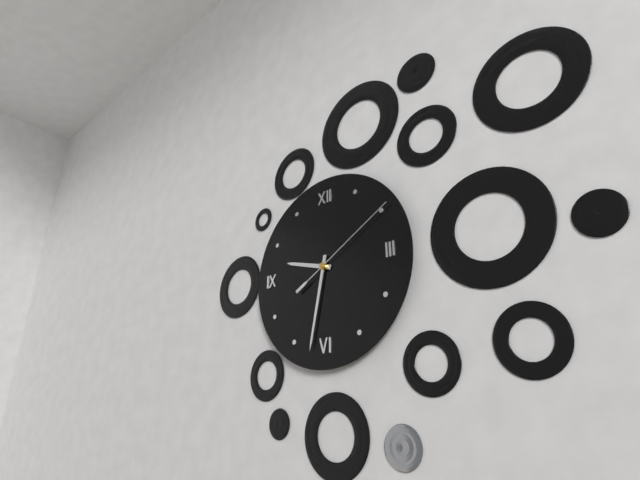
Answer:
**9:32:10**
